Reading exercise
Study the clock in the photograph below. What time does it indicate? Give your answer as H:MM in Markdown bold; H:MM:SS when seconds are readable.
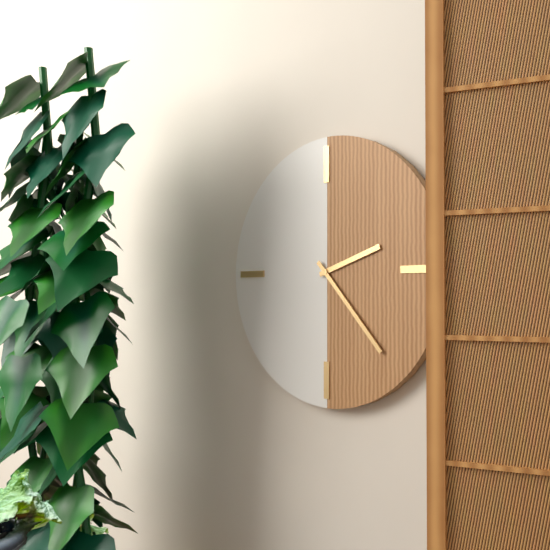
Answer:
**2:23**
